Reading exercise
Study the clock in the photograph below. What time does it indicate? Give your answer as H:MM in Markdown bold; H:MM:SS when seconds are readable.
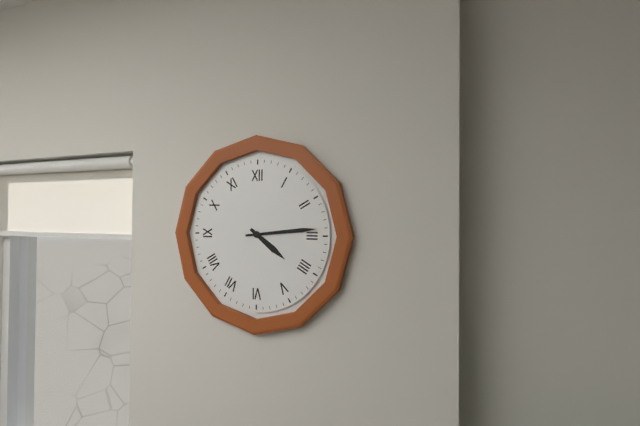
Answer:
**4:14**
